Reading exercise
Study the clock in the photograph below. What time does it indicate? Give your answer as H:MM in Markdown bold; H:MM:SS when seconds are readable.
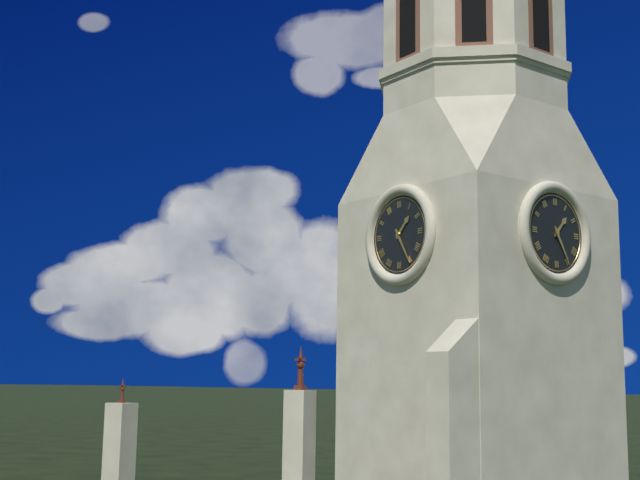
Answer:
**1:25**
